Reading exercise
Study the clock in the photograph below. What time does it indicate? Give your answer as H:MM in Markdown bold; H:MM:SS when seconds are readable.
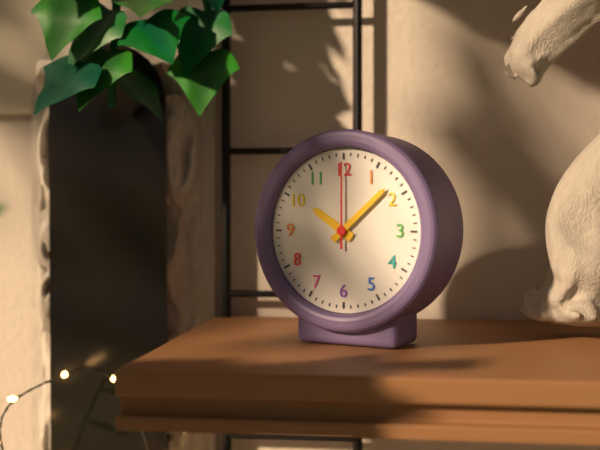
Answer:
**10:08:00**
